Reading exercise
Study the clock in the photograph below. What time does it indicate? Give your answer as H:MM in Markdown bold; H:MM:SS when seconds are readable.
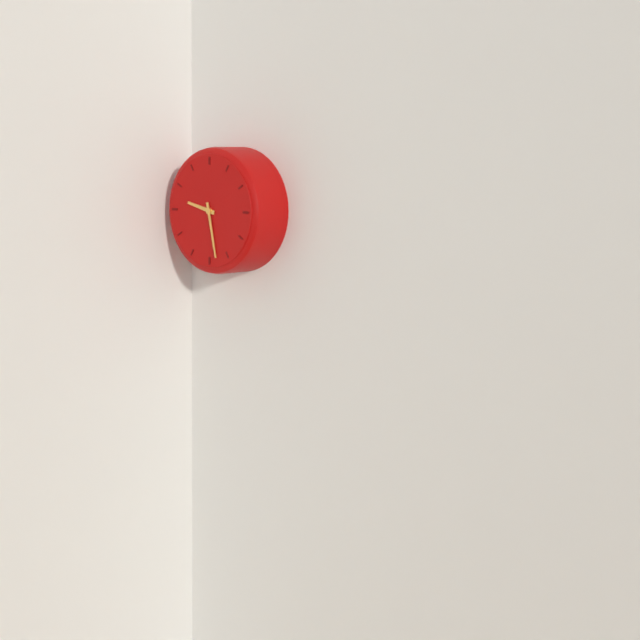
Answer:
**9:28**
